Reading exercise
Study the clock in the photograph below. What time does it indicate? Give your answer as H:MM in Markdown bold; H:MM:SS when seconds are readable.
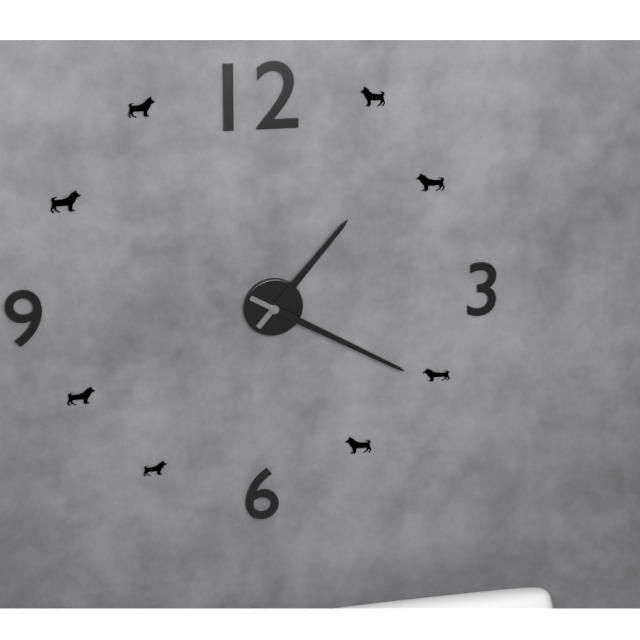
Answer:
**1:20**
